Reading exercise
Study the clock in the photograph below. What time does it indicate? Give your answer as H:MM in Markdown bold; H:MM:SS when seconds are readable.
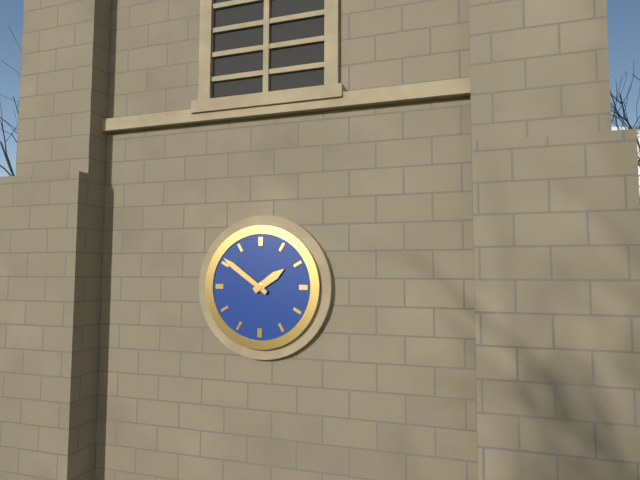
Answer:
**1:51**
